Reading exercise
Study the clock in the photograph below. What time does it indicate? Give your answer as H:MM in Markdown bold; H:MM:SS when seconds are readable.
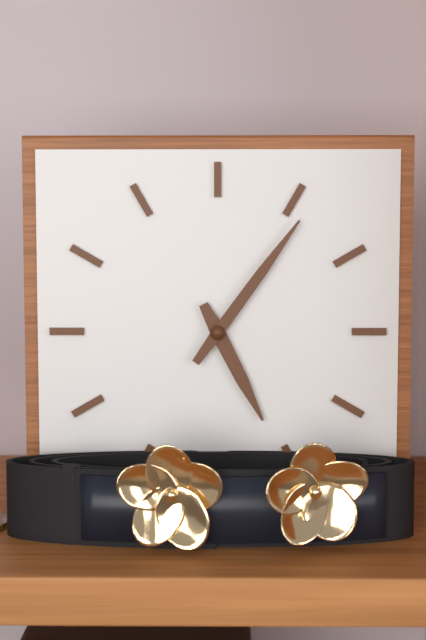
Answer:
**5:06**
